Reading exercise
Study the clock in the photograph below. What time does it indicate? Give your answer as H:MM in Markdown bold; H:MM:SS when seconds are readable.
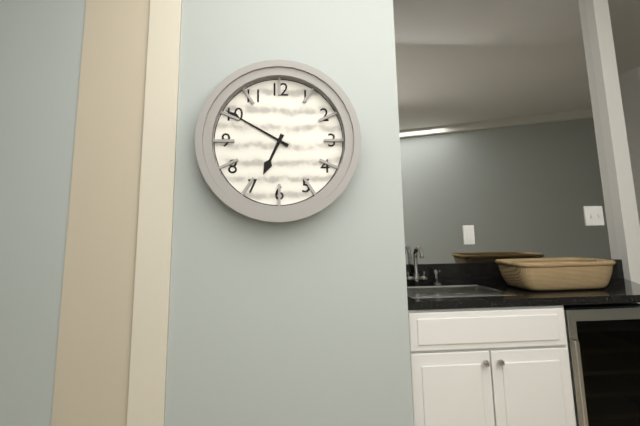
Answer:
**6:50**
